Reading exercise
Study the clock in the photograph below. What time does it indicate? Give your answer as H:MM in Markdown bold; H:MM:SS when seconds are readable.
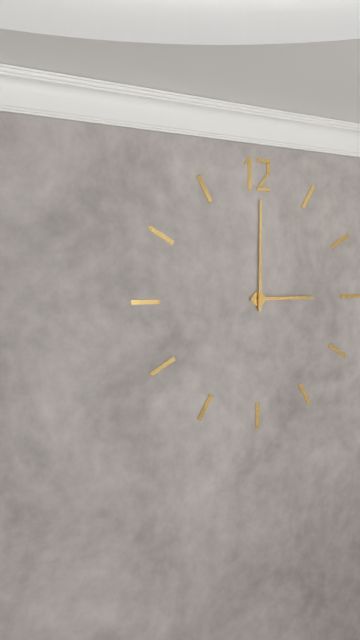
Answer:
**3:00**
